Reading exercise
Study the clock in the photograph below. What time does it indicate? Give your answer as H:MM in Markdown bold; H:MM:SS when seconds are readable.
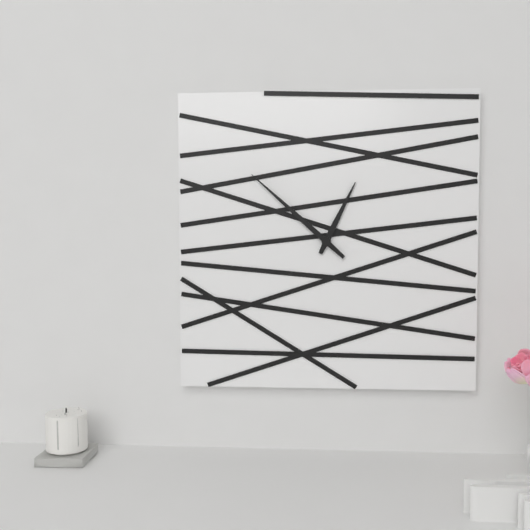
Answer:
**12:52**
